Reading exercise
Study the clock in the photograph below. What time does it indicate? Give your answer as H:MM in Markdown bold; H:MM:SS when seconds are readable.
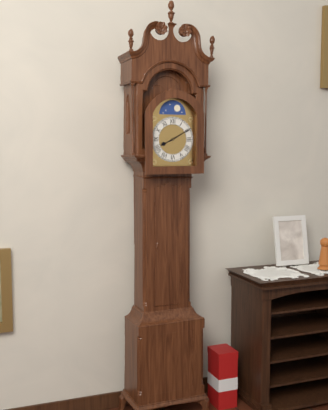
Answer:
**8:10**
